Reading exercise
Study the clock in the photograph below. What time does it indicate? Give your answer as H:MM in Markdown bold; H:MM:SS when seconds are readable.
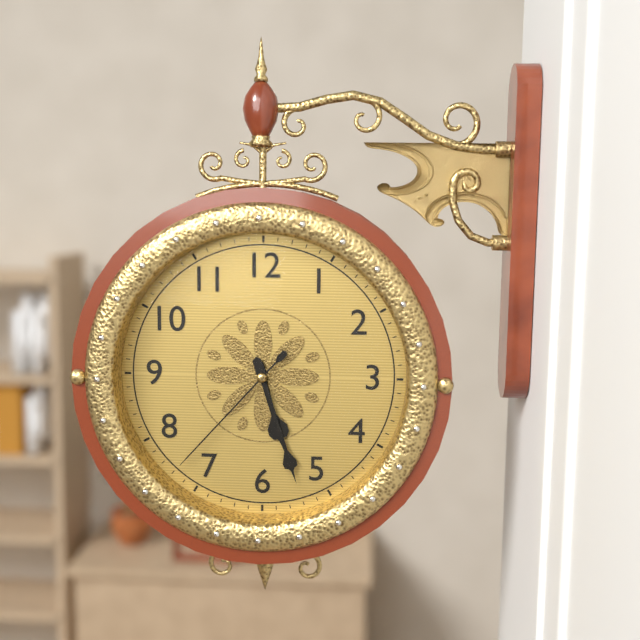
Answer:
**5:27:37**
